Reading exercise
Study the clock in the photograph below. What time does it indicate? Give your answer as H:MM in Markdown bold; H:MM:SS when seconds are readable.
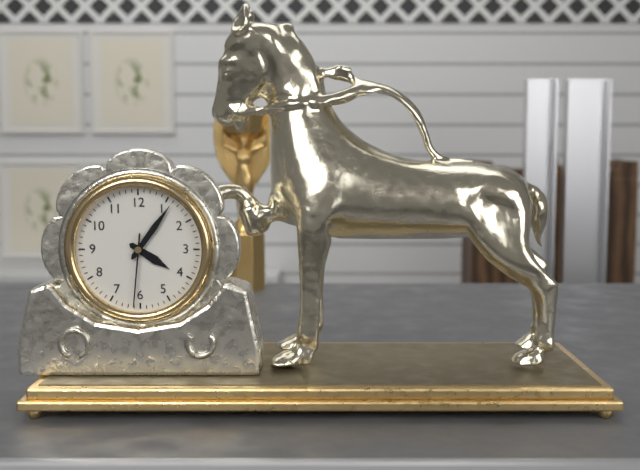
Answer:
**4:06:31**
